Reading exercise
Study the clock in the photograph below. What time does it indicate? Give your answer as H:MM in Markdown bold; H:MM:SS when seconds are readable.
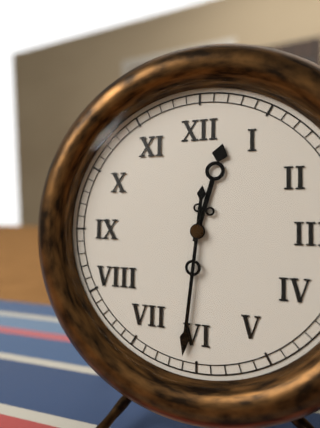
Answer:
**12:31**
